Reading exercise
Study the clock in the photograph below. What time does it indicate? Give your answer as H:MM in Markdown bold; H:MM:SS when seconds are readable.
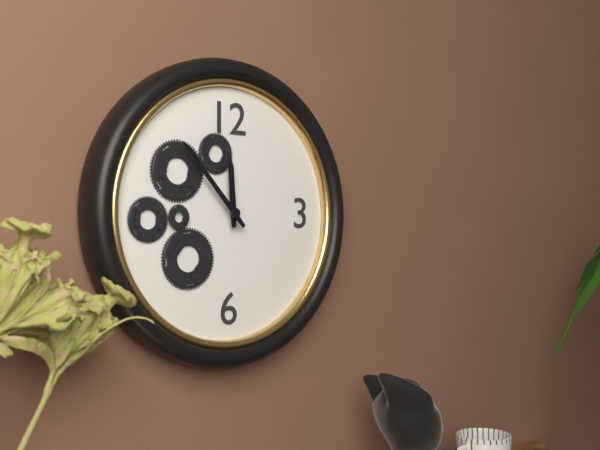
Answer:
**11:53**
